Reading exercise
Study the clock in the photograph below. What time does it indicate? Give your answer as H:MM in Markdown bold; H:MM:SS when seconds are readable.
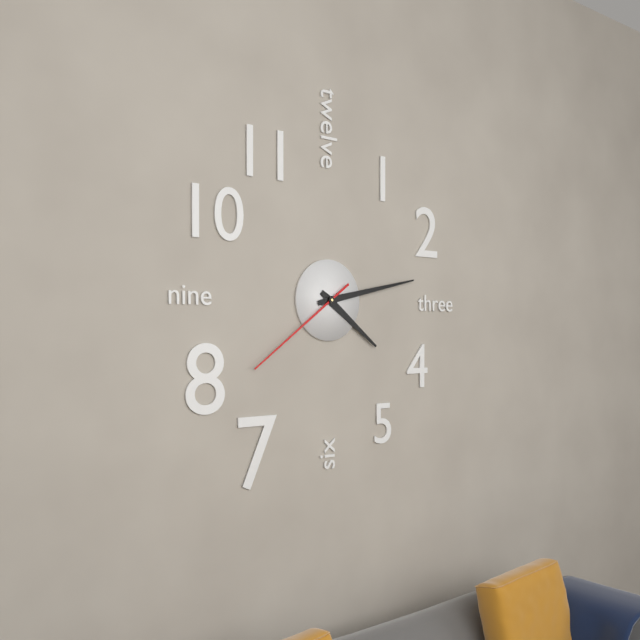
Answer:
**4:13:39**
